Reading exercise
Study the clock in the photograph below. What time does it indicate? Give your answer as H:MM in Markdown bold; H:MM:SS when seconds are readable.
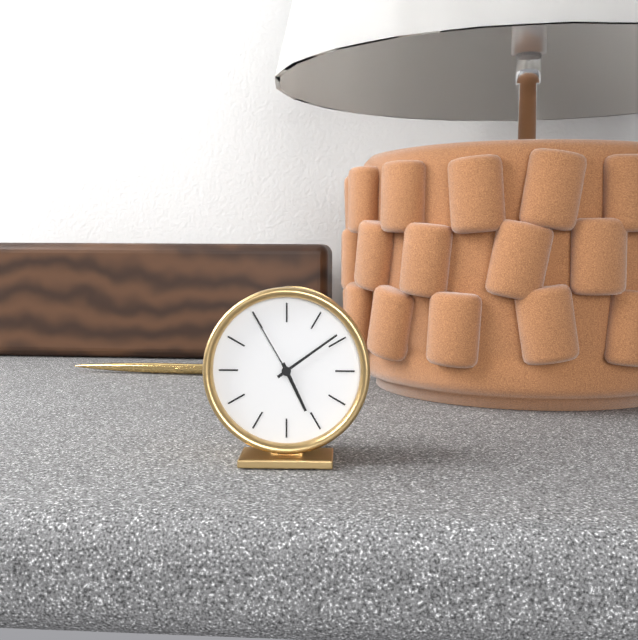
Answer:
**5:09:55**
